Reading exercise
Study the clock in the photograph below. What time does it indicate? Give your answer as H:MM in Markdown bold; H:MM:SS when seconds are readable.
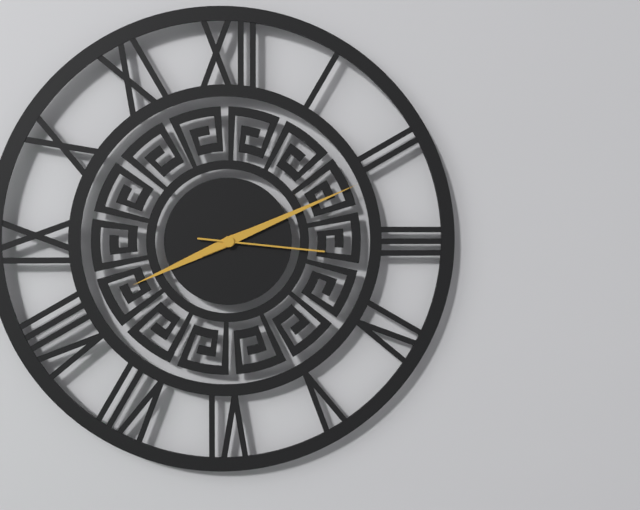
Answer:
**8:11:16**
